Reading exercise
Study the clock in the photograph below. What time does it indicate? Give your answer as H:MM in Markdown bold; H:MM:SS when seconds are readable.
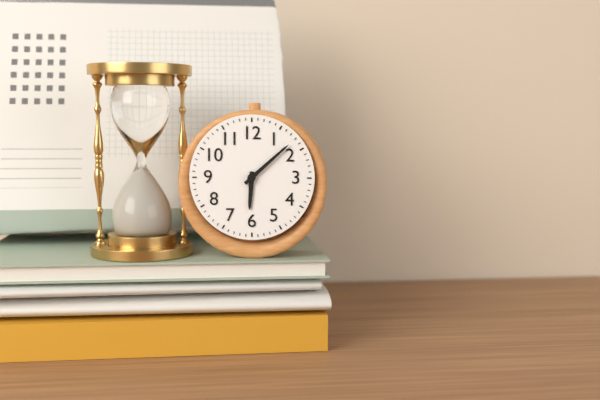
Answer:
**6:08**
